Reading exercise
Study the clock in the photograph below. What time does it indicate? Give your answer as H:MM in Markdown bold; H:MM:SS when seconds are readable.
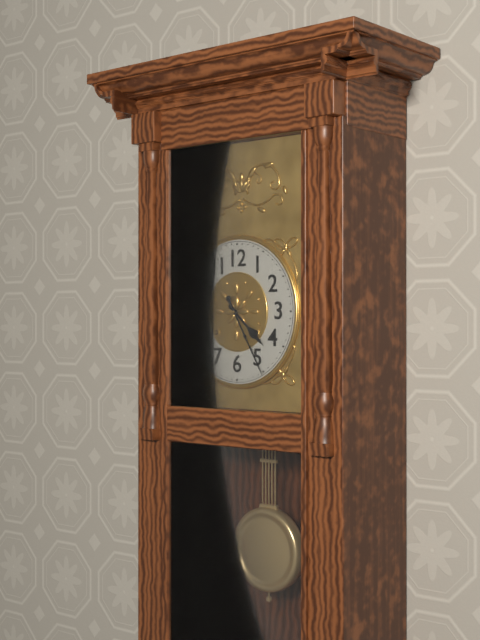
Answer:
**4:25**
